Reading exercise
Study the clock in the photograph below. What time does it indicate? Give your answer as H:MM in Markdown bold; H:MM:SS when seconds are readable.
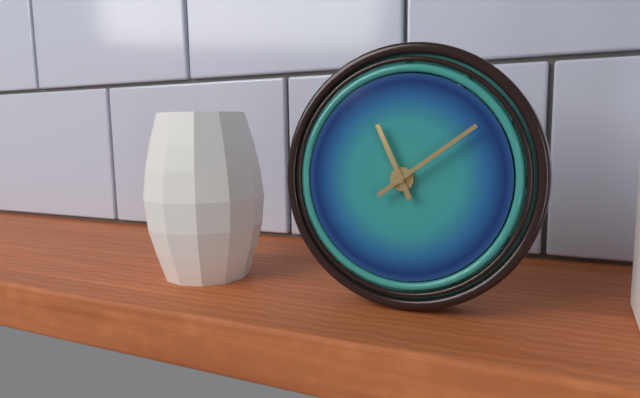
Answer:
**11:09**
